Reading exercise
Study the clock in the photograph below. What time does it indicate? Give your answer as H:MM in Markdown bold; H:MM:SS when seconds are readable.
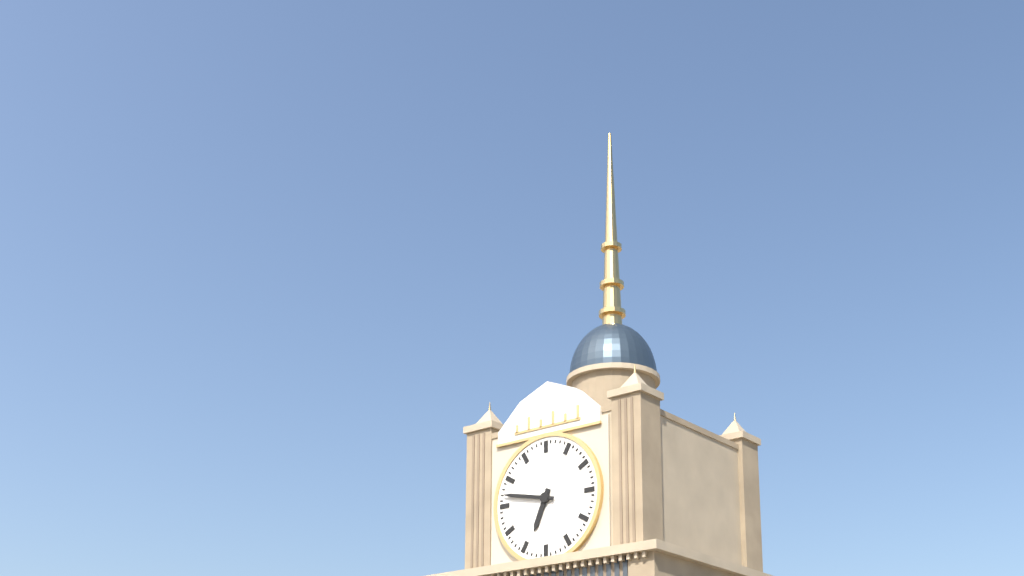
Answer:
**6:47**
